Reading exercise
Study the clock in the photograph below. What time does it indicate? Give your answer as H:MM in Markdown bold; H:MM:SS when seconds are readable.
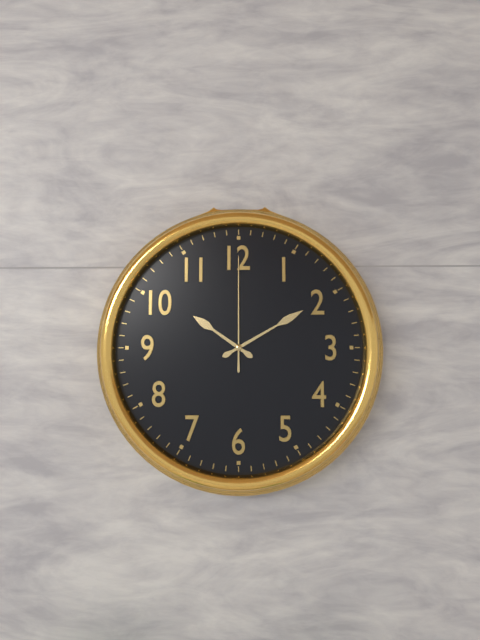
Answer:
**10:10:00**
